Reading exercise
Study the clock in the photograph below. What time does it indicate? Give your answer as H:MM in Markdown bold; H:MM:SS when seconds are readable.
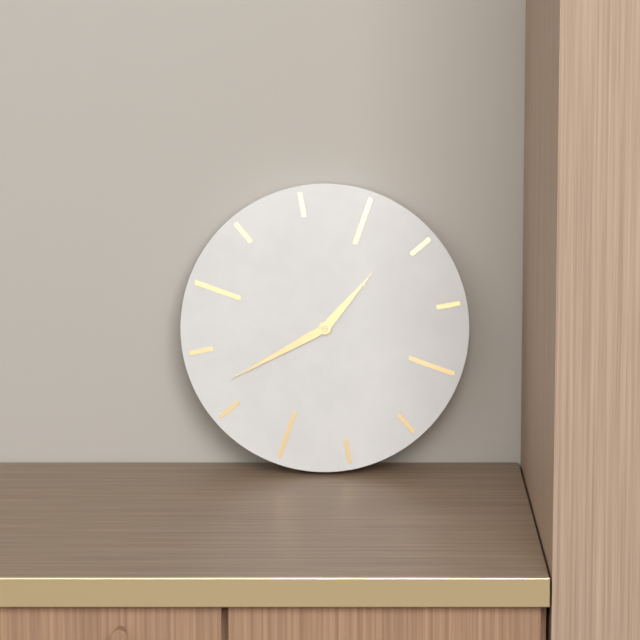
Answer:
**1:42**
